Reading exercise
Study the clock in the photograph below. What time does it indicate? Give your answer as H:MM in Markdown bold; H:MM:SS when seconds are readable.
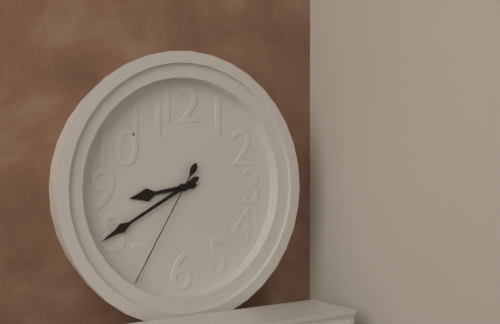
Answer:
**8:40:35**
